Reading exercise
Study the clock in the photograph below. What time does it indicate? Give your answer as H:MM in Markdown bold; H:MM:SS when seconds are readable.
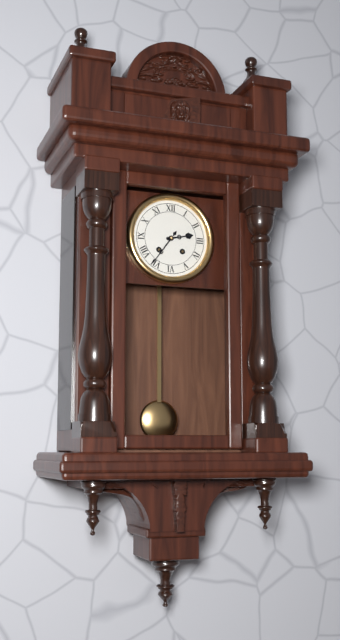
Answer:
**2:36**
